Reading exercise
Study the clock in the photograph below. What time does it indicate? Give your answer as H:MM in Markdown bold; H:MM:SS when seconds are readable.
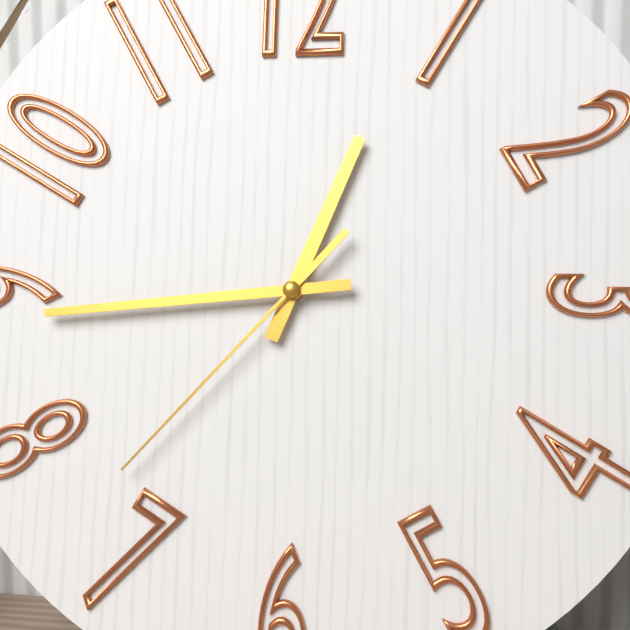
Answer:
**12:44:37**
